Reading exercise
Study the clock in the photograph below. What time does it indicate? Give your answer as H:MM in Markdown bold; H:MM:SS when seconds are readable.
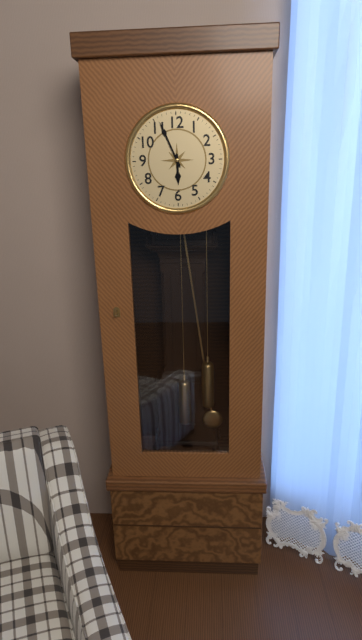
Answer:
**5:56**
